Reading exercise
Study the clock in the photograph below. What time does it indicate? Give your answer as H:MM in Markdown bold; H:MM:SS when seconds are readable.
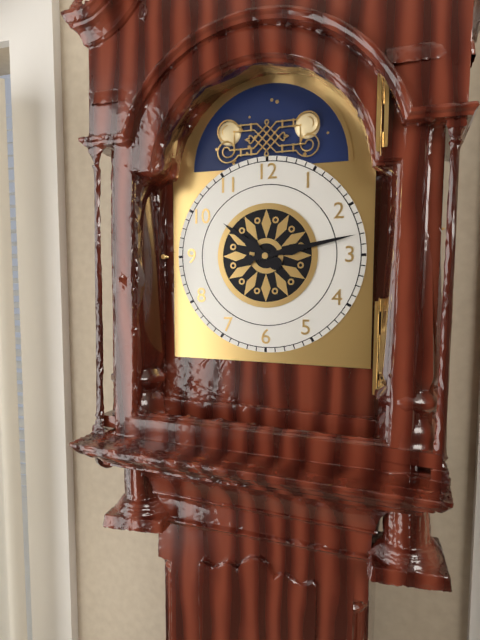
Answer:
**10:13**
